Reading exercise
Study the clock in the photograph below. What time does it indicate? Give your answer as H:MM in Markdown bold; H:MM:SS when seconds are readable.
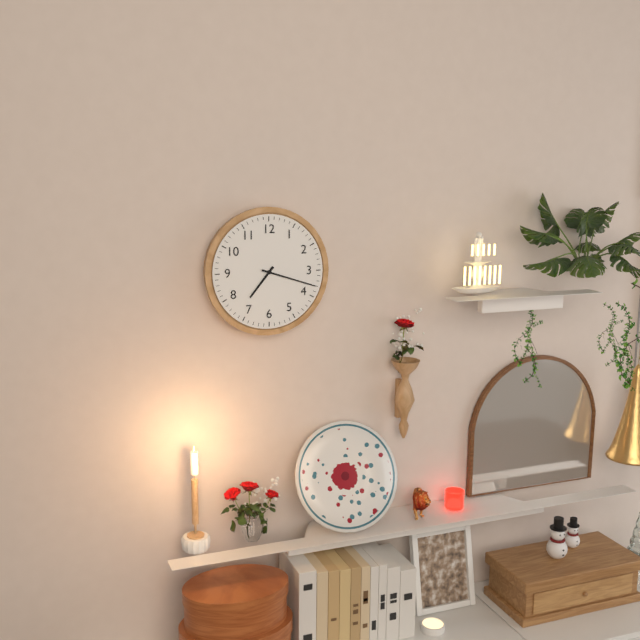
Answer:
**7:18**
